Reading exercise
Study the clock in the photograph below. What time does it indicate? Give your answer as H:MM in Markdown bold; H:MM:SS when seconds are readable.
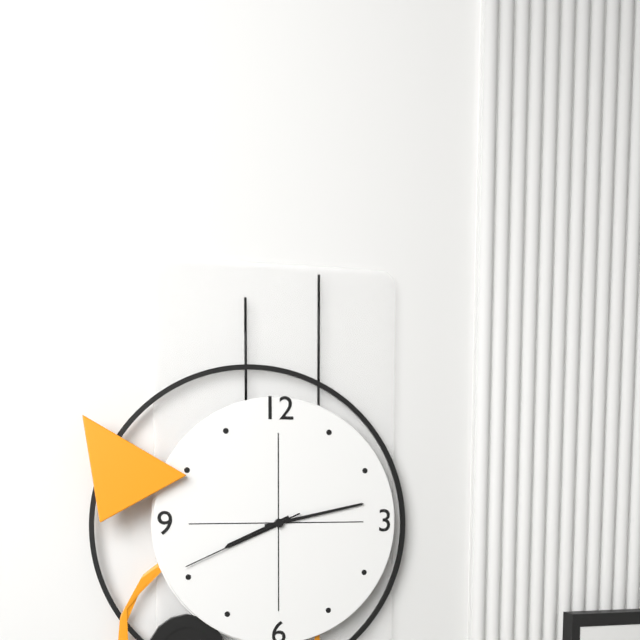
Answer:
**8:13:41**
